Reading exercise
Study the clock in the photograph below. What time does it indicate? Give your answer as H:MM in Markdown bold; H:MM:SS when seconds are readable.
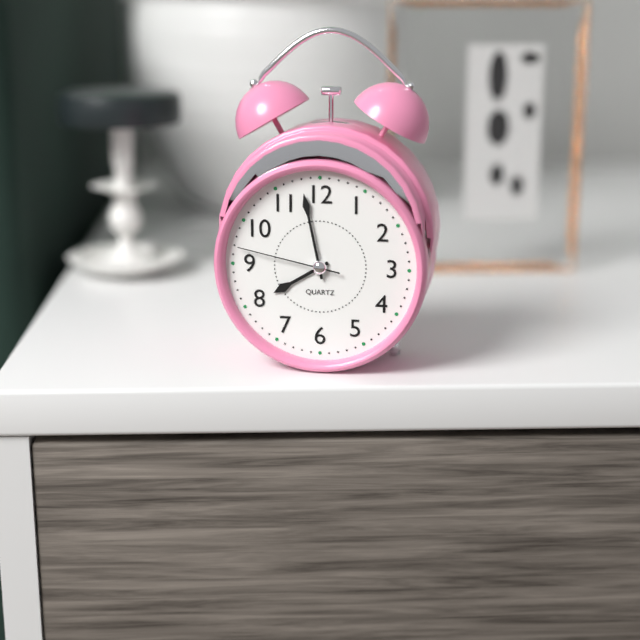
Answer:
**7:58:47**
